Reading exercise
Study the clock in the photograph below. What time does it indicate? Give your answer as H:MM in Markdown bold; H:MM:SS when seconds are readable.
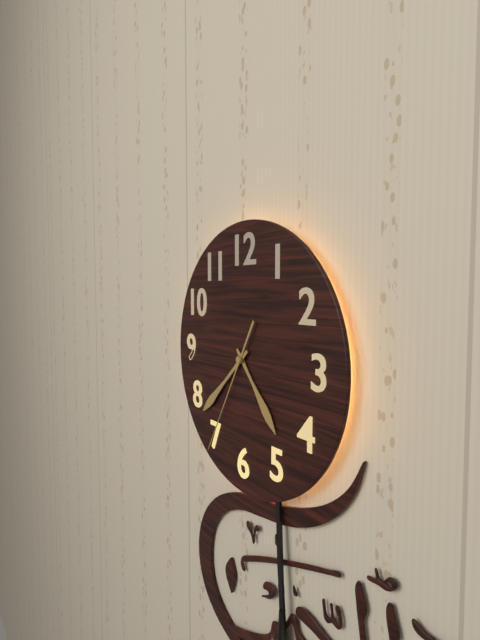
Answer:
**4:38:35**
